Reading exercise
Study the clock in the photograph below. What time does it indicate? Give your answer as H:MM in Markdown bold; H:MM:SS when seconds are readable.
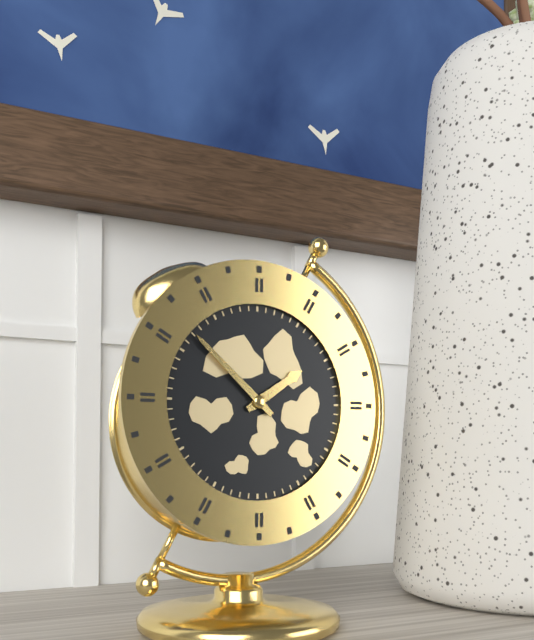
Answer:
**1:52**
